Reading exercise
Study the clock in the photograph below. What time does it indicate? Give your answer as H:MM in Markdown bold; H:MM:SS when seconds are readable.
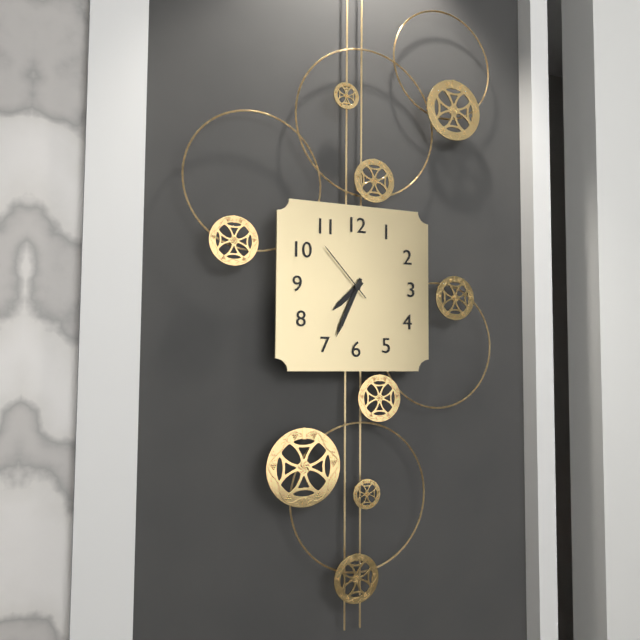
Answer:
**7:34:53**
